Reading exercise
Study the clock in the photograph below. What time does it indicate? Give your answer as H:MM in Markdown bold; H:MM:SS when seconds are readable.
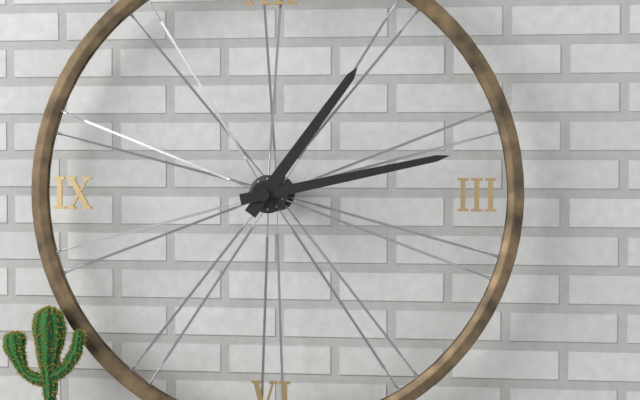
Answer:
**1:13**
